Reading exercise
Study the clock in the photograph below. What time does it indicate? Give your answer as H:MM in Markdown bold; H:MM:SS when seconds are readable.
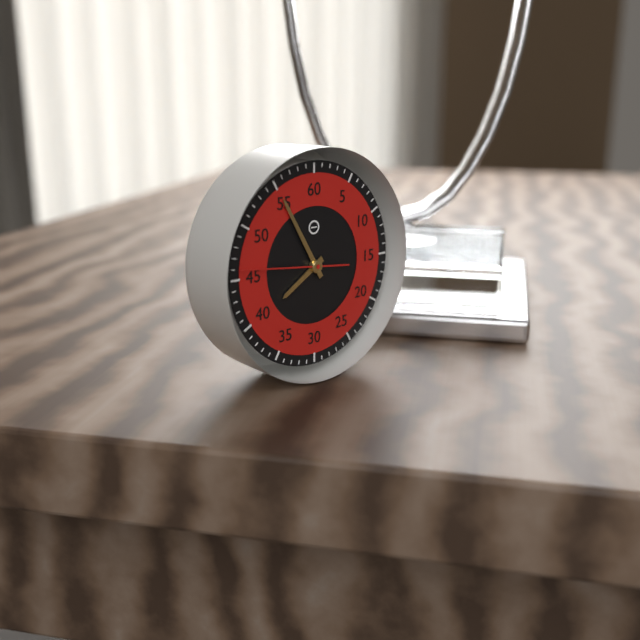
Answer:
**7:55:46**
